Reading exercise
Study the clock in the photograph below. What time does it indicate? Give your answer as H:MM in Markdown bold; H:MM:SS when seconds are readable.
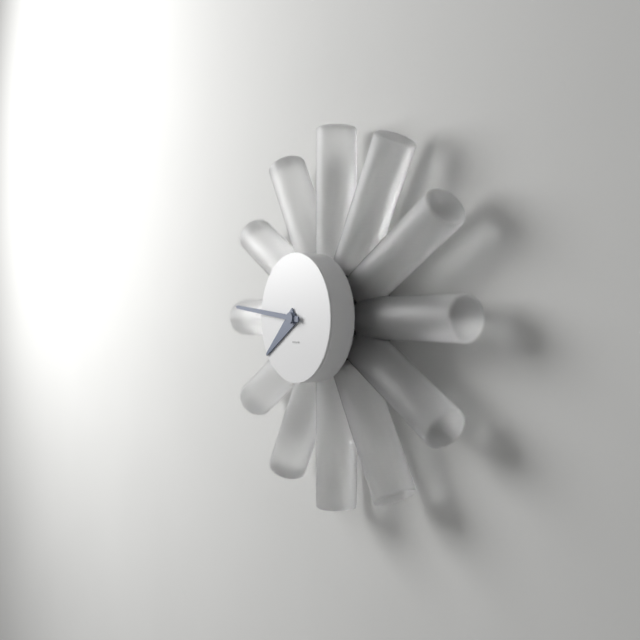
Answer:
**7:46**
